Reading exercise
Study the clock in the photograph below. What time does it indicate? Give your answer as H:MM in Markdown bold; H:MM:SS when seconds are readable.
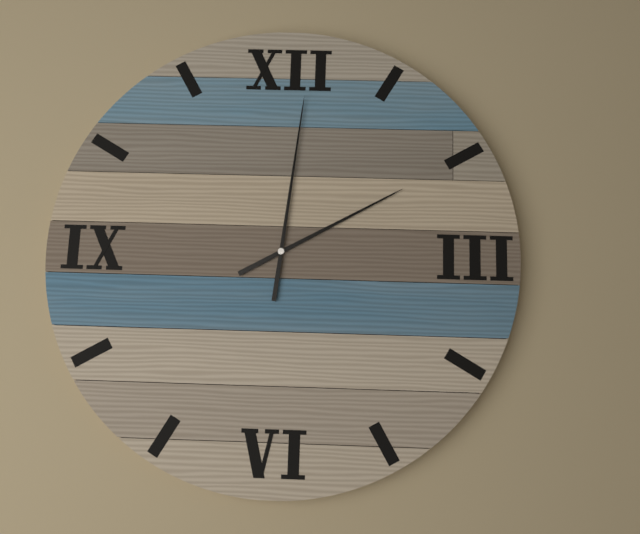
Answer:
**2:01**
